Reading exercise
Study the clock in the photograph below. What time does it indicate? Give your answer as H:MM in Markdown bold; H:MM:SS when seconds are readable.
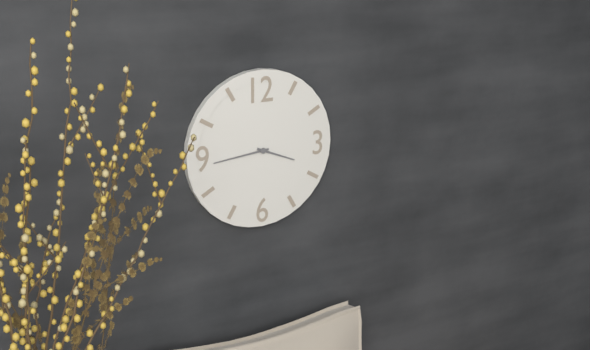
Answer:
**3:44**
